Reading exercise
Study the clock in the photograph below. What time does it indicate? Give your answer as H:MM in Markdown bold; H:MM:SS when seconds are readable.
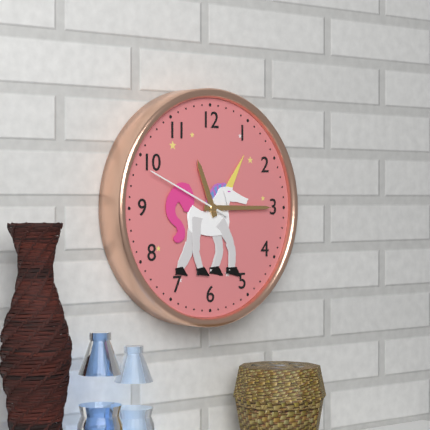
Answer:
**11:15:49**
